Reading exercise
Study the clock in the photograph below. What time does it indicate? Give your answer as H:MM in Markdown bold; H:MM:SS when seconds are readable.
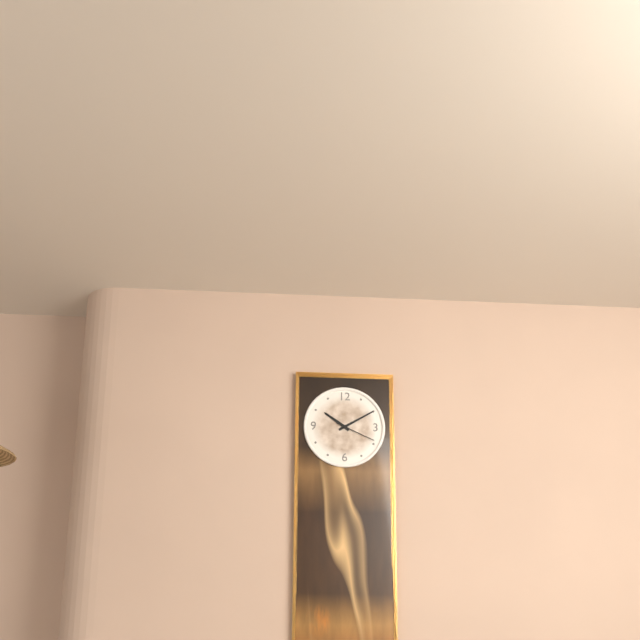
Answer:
**10:10**
